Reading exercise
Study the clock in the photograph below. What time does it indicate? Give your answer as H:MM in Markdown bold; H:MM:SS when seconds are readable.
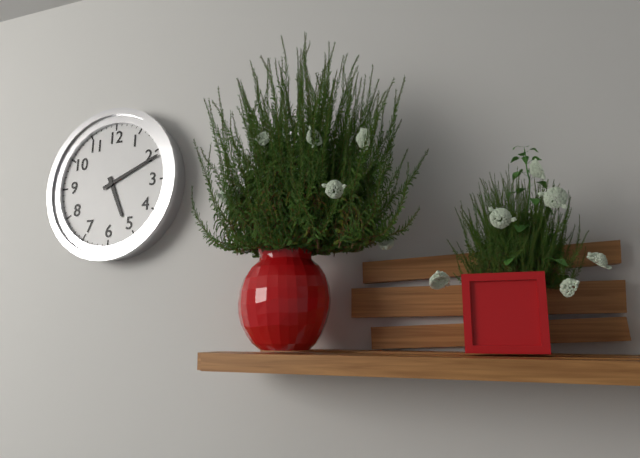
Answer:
**5:11**
